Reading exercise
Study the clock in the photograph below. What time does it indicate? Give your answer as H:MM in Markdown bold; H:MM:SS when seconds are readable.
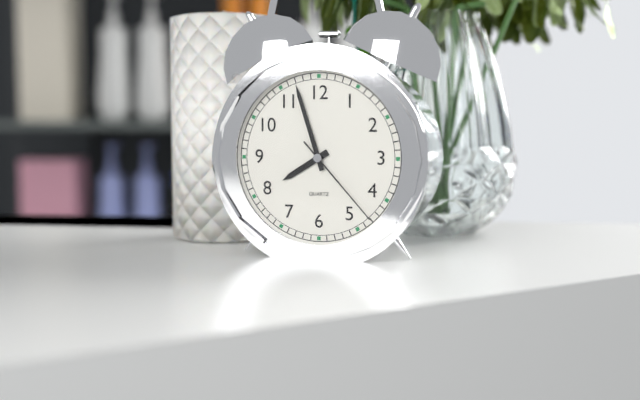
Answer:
**7:57:23**
